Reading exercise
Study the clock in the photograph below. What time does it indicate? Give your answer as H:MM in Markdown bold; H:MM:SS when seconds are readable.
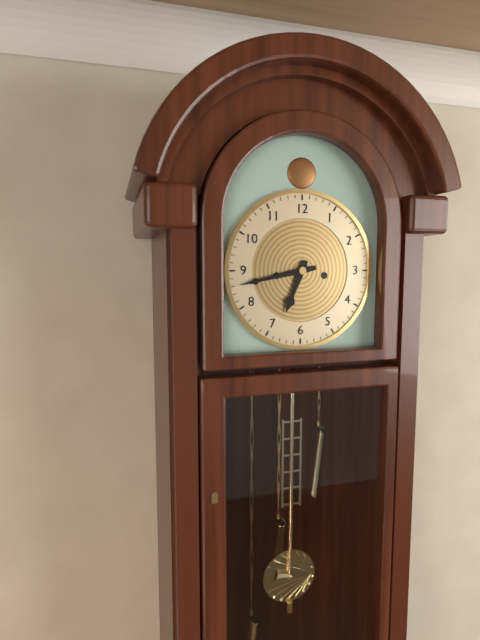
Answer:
**6:43**
